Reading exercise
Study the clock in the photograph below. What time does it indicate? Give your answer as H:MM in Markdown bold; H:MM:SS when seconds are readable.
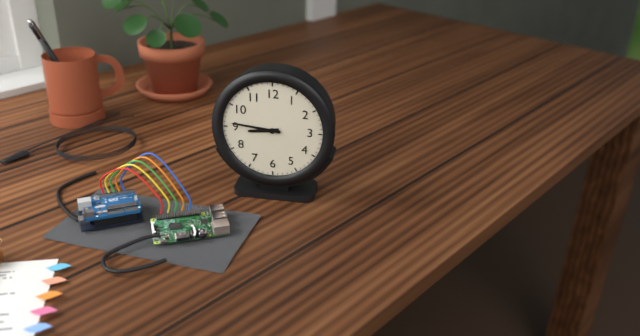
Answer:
**8:46**
